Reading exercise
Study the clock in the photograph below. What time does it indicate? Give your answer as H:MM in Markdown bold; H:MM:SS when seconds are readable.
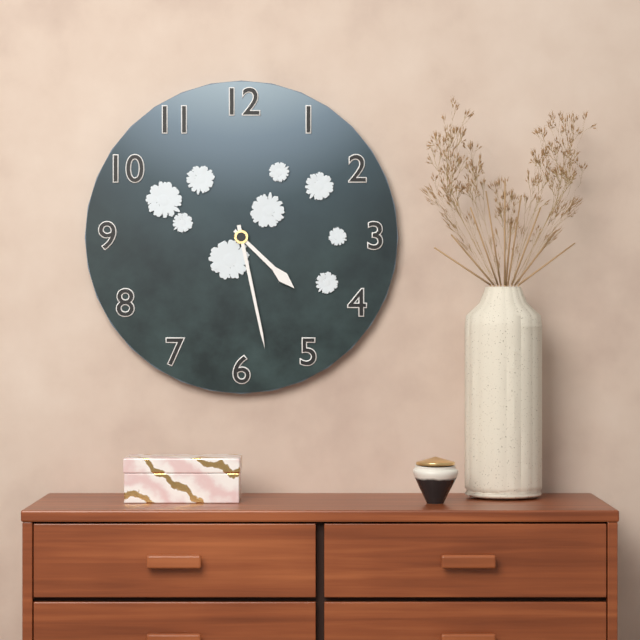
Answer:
**4:28**
